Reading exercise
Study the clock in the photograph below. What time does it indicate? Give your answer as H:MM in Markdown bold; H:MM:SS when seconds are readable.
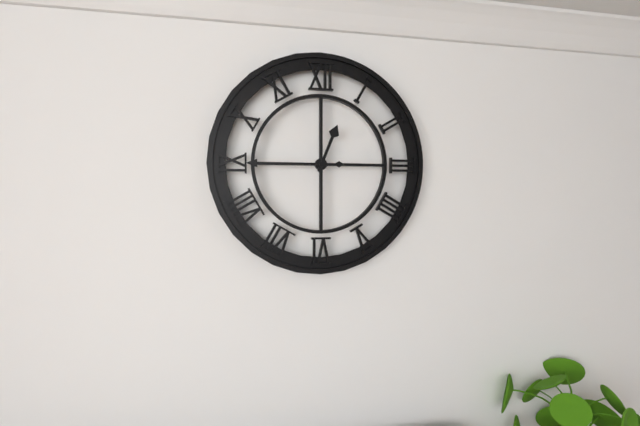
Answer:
**12:45**
